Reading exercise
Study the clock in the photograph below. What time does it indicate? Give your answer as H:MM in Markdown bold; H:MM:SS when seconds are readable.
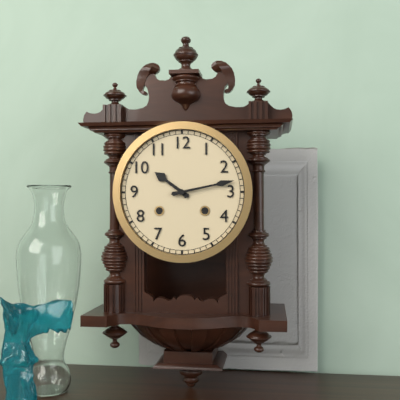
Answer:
**10:13**
